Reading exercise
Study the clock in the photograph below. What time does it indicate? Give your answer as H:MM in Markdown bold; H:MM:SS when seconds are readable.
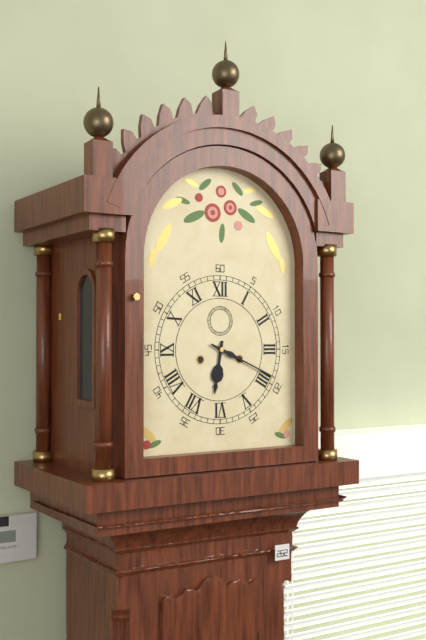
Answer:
**6:19**
